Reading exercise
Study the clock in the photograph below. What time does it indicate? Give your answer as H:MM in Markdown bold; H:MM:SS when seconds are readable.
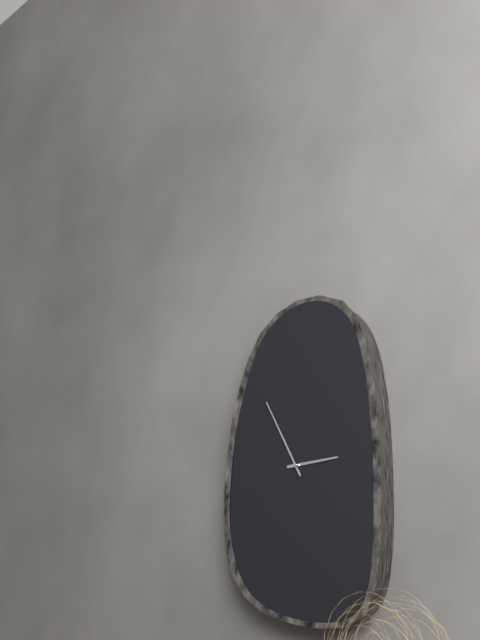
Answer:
**2:55**
